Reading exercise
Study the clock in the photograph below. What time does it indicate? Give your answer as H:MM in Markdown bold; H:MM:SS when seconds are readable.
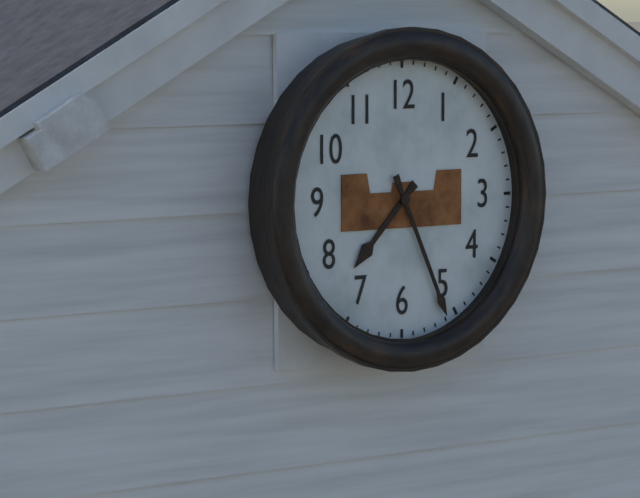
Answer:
**7:26**
